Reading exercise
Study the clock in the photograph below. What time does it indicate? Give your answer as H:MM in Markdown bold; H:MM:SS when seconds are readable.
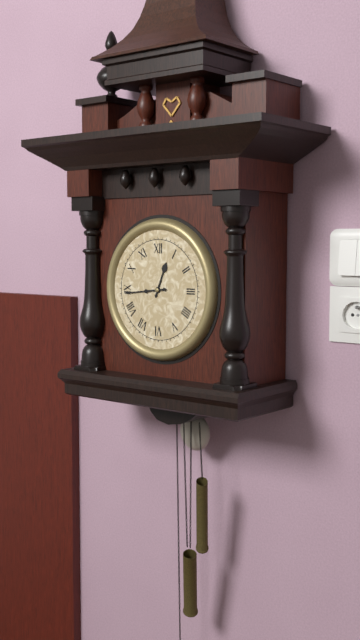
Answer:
**12:44**
